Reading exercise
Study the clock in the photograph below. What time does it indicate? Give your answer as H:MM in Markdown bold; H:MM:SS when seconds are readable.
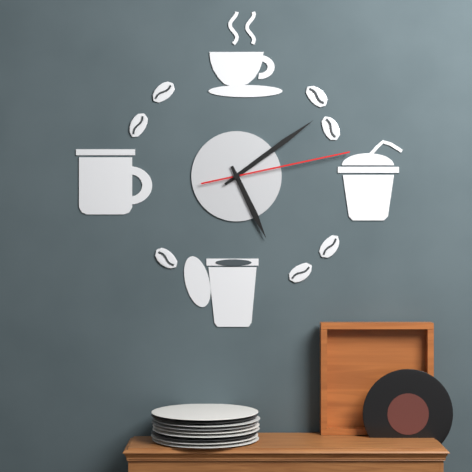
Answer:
**5:09:13**
